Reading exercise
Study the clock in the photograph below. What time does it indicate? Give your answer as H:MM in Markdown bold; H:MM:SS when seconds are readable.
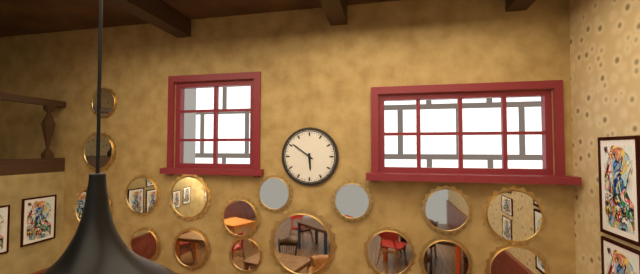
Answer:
**5:51**
